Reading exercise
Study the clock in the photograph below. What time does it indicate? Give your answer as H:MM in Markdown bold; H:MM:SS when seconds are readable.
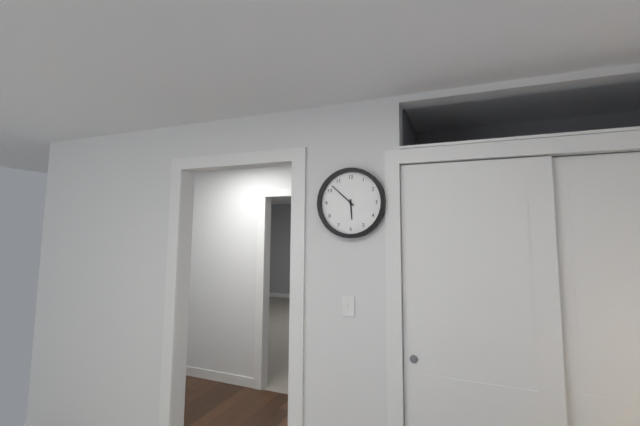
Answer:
**5:52**
